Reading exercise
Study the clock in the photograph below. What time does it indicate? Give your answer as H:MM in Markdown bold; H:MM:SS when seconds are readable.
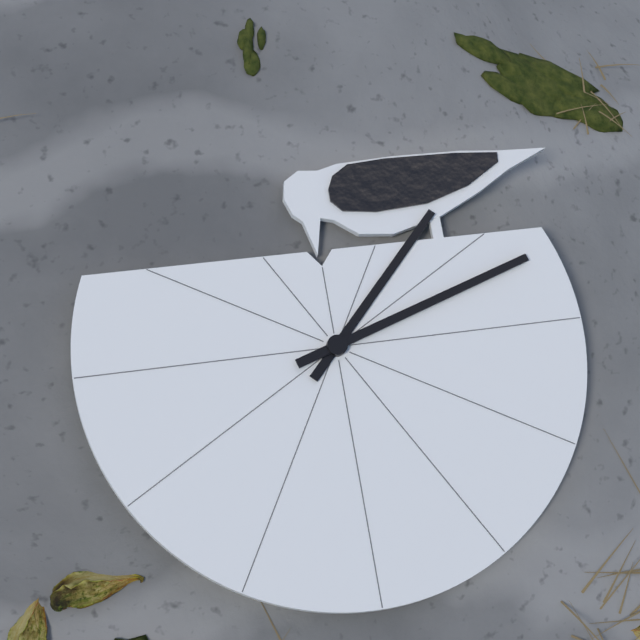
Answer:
**4:27**
